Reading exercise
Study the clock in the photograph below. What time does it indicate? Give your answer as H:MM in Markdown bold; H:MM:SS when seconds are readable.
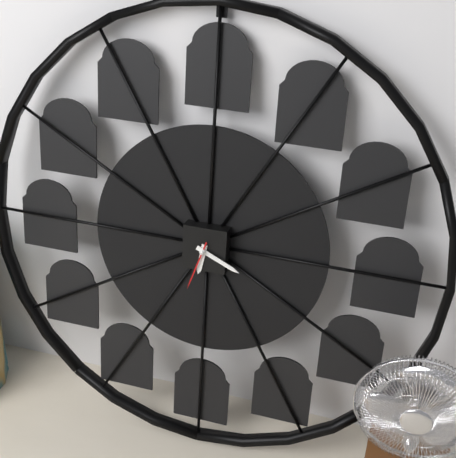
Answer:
**6:19:33**
